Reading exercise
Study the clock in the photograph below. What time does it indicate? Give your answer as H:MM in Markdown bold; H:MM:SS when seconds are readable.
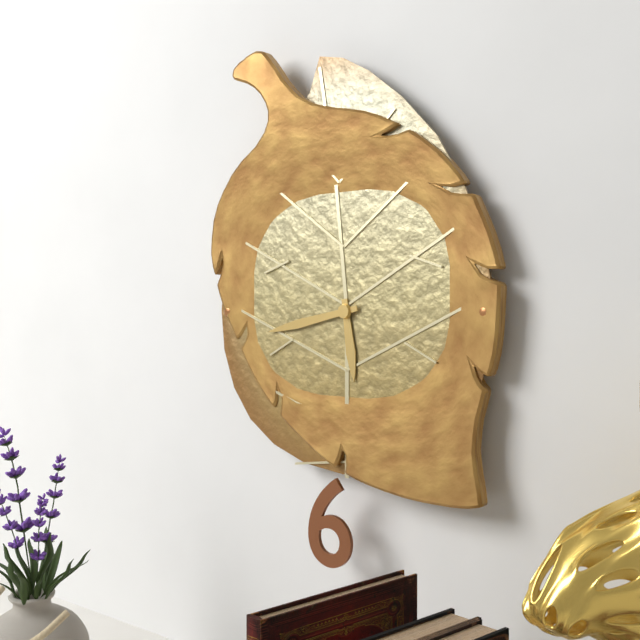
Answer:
**5:43**
